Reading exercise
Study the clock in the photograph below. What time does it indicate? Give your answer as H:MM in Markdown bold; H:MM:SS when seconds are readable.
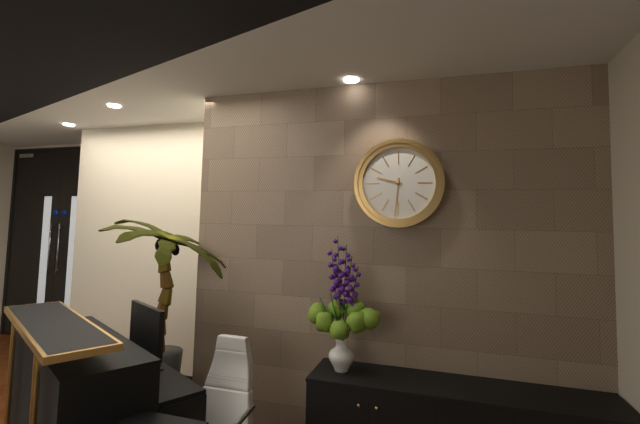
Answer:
**9:31**
